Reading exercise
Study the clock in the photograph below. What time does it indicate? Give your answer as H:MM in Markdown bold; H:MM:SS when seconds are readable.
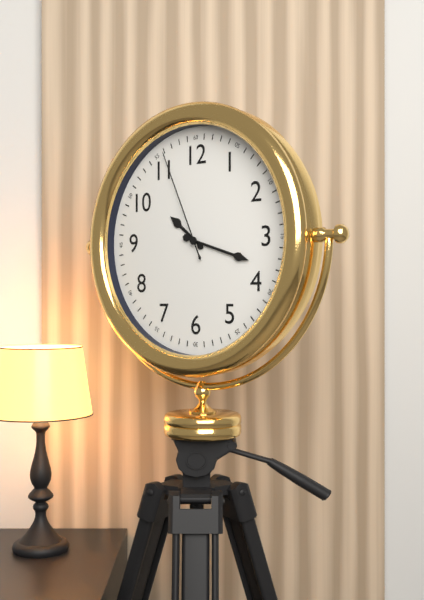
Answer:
**10:18:56**
